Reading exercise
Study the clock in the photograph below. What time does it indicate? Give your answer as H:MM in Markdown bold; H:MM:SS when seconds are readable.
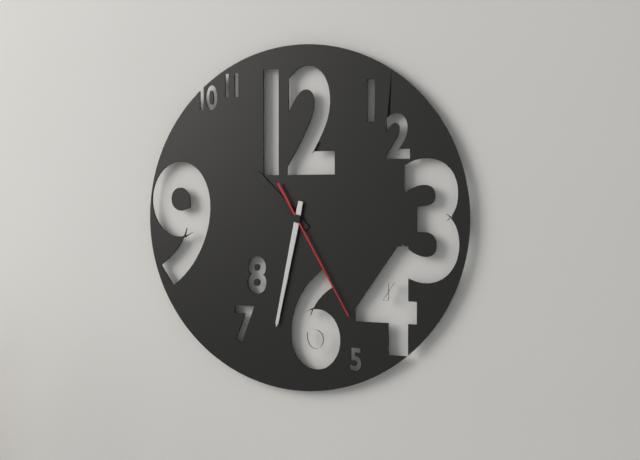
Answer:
**10:32:25**
